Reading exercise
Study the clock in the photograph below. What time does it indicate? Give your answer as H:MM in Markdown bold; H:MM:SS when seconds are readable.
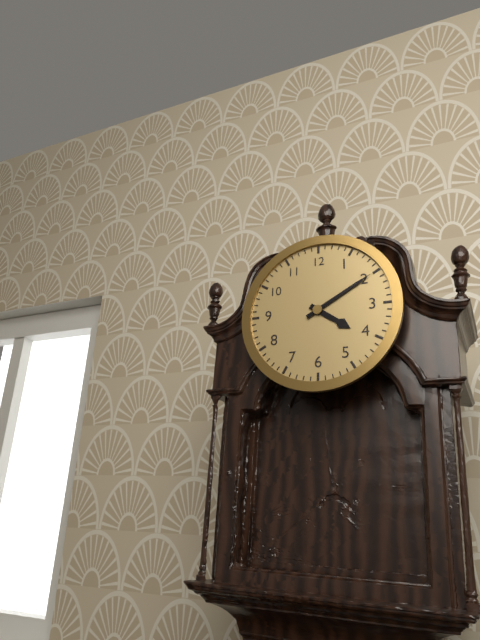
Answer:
**4:10**
